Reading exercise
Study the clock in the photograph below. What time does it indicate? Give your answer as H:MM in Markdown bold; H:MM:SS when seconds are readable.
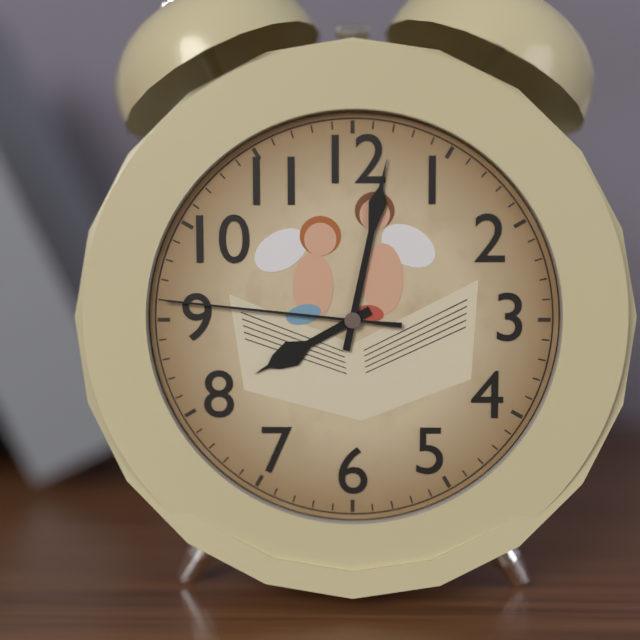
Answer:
**8:02:46**
